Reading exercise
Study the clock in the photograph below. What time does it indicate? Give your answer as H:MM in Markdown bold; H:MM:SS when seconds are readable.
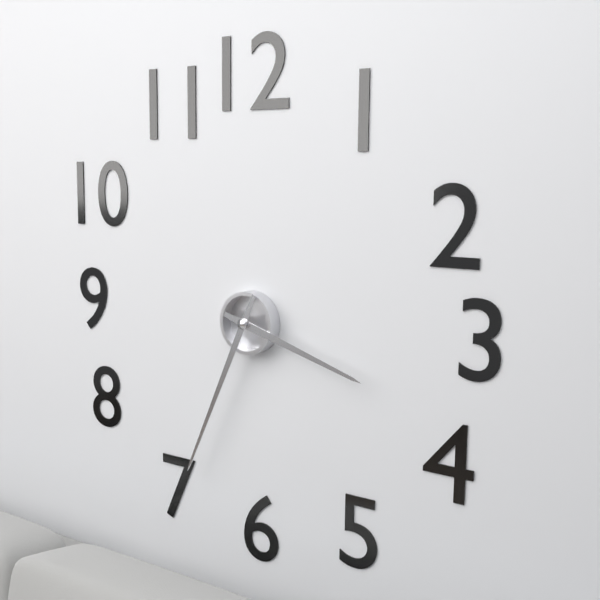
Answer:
**3:34**
